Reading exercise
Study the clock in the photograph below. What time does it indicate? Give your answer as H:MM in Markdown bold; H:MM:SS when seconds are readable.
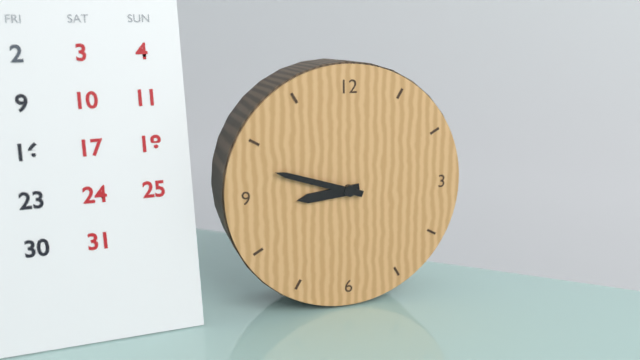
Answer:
**8:48**
